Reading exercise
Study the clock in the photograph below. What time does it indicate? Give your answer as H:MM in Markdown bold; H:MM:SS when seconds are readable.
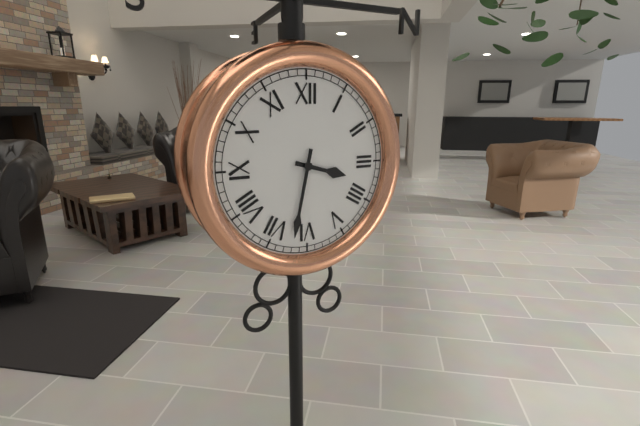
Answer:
**3:32**
